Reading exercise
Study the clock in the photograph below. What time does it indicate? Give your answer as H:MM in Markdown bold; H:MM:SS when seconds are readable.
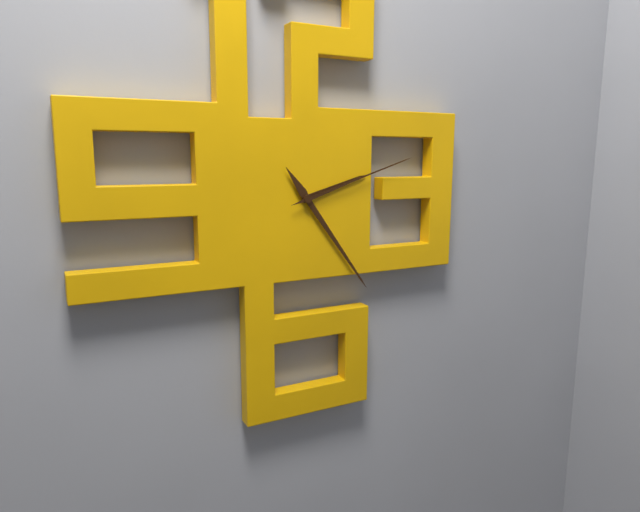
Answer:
**2:24:12**
